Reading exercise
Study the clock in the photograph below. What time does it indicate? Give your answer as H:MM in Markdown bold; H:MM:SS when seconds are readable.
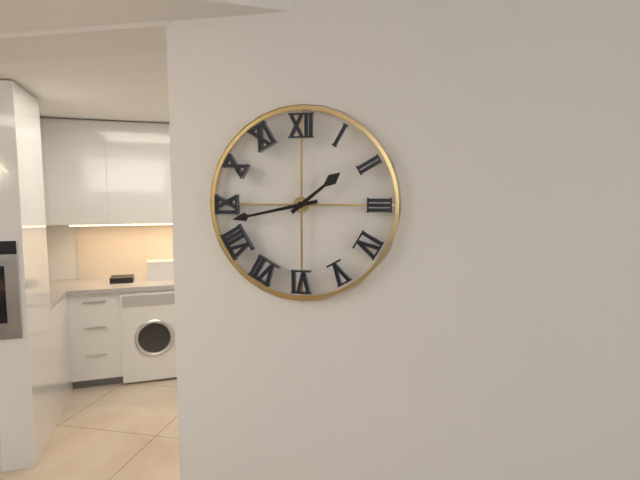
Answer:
**1:43**
